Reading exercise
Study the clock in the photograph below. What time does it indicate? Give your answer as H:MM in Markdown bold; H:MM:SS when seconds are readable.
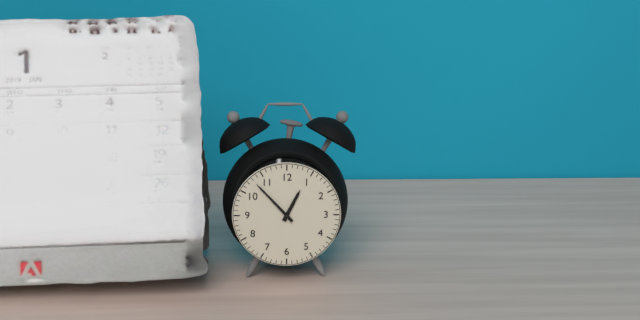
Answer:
**12:53**
